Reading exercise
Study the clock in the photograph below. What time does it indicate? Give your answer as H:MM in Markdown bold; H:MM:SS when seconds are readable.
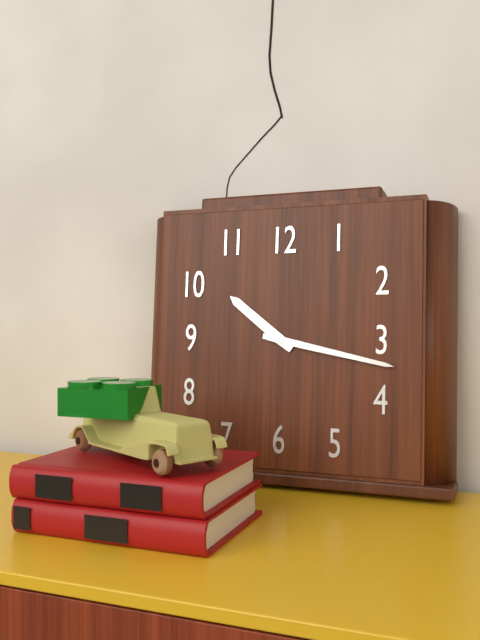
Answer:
**10:17**
